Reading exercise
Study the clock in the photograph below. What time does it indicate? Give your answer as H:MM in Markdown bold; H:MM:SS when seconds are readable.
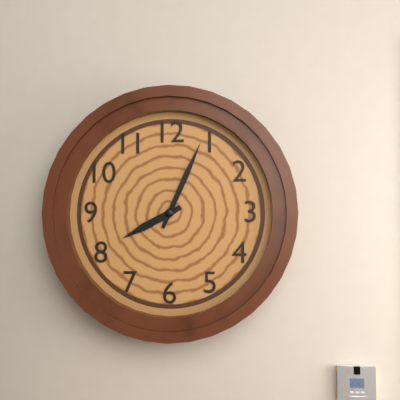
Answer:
**8:04**
